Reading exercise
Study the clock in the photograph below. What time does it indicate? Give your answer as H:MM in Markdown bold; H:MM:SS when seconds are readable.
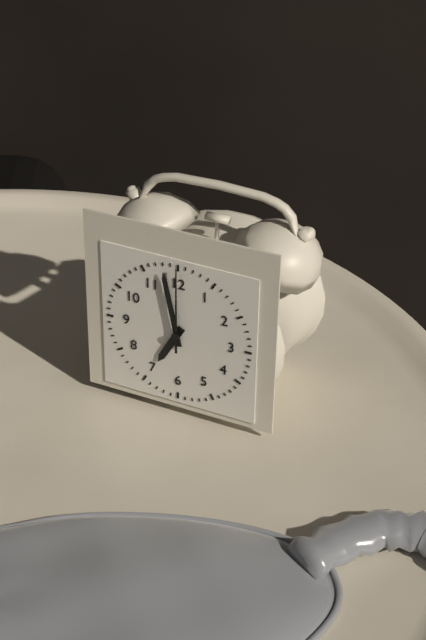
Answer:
**6:58:00**
